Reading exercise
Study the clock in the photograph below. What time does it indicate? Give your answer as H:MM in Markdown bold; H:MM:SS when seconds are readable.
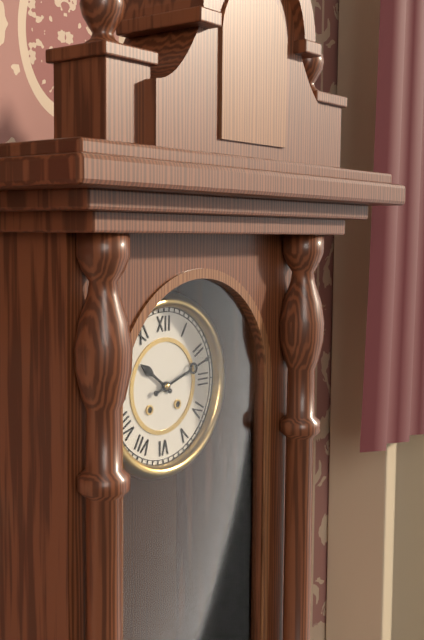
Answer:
**10:12**
